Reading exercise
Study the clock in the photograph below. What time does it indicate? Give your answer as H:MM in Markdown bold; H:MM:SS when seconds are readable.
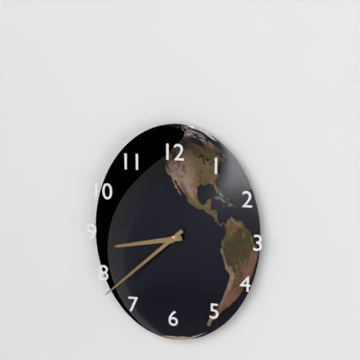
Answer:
**8:38**
